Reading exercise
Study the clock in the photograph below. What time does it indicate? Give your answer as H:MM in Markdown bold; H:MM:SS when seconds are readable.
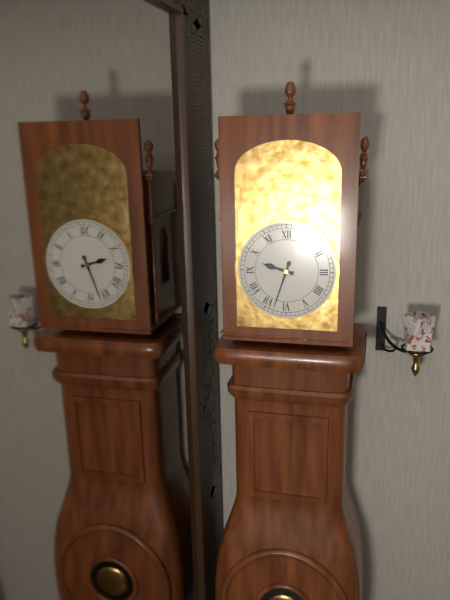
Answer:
**9:33**
